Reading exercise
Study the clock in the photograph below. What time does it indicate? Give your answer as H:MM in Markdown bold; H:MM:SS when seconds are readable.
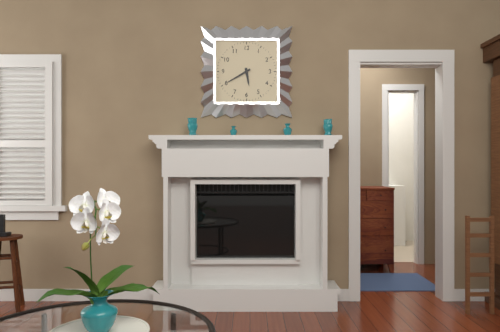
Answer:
**5:40**
